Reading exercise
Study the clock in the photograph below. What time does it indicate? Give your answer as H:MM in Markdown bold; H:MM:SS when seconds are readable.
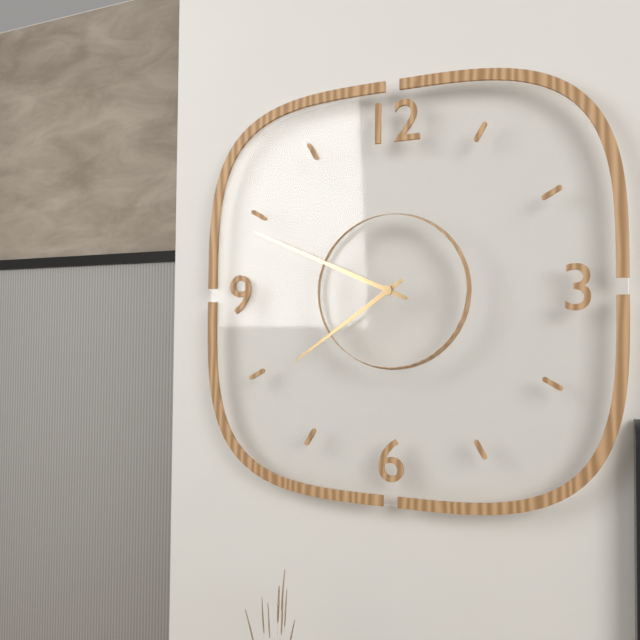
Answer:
**7:49**
